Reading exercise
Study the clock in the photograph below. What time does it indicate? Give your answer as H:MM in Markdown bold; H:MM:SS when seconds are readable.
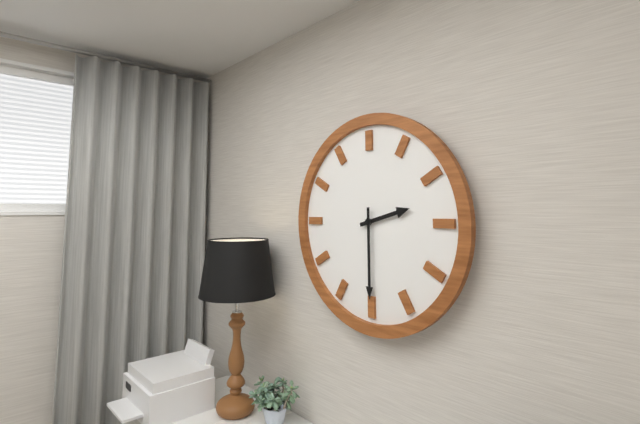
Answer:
**2:30**
